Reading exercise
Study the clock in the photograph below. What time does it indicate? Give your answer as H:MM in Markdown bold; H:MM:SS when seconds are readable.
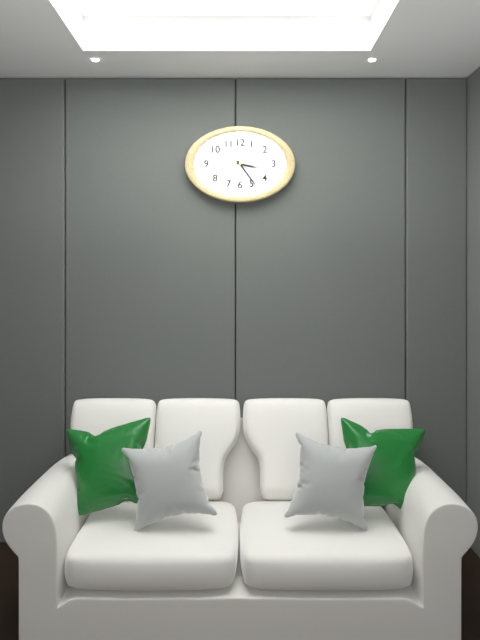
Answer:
**3:24**
